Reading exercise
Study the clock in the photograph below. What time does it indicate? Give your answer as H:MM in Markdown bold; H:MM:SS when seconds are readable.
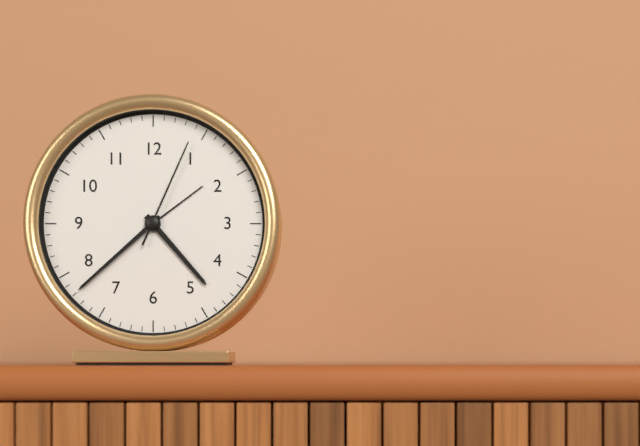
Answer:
**4:38:04**
